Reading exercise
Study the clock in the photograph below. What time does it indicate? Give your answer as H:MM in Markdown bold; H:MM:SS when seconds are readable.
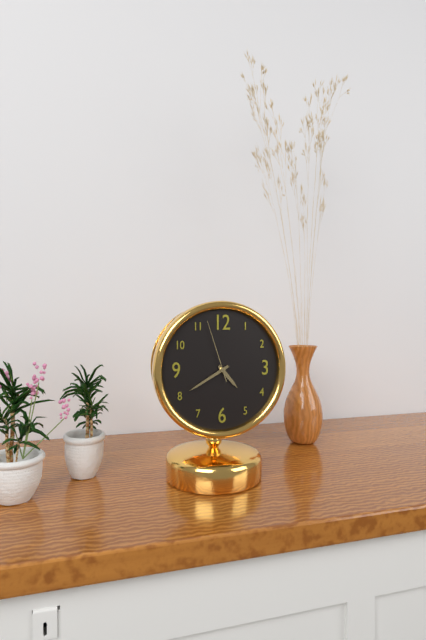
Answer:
**4:40:57**
